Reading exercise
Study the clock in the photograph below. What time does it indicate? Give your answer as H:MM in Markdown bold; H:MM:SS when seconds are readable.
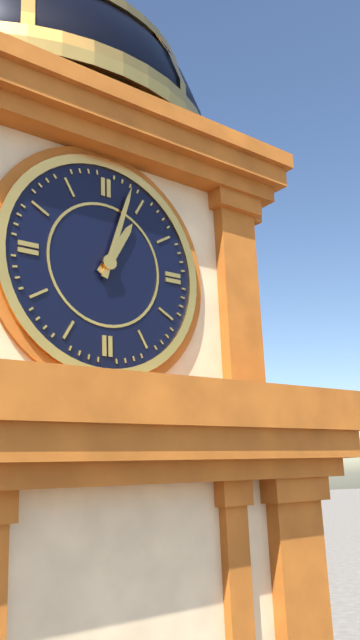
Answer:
**1:03**
